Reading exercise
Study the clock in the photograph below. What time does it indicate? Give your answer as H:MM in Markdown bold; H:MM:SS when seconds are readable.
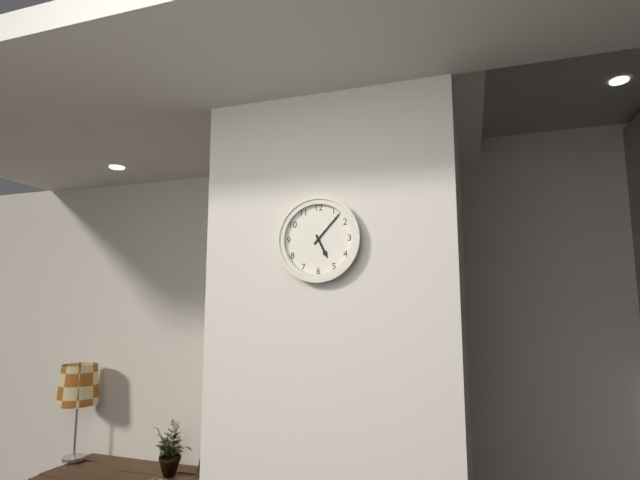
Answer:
**5:07**
